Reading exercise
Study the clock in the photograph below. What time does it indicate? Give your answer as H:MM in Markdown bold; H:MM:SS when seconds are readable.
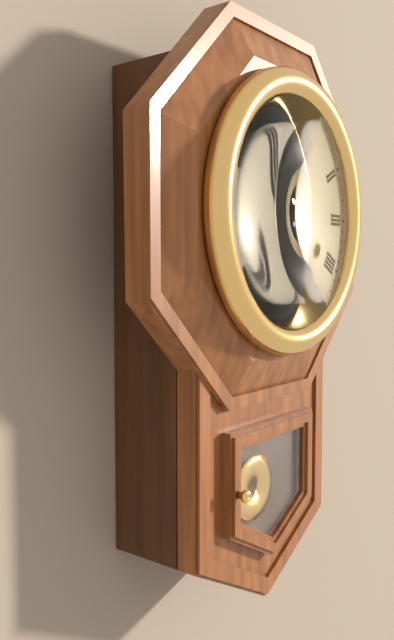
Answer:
**6:28**
